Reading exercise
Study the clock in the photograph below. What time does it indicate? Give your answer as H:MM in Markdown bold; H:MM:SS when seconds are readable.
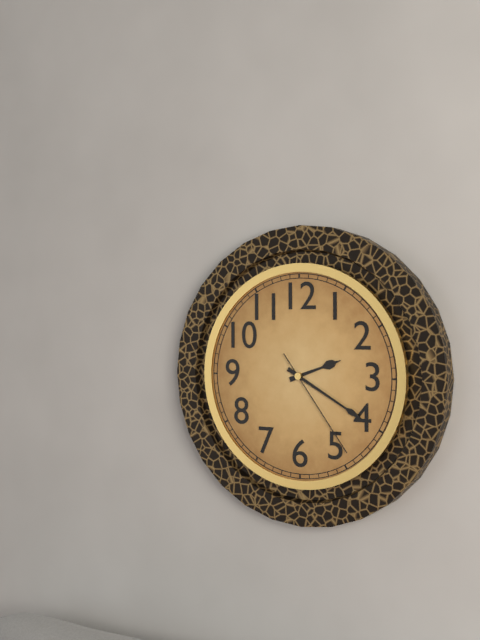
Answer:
**2:20:24**
